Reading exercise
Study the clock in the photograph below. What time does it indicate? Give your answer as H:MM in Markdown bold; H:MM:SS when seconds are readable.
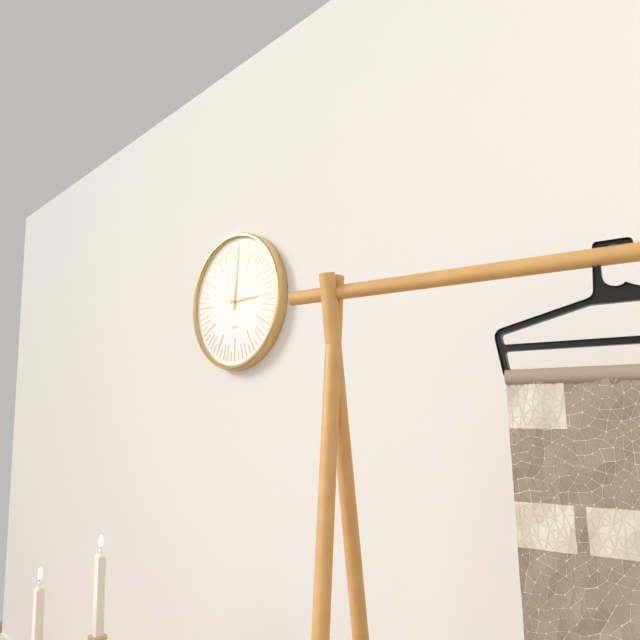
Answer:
**3:01**
